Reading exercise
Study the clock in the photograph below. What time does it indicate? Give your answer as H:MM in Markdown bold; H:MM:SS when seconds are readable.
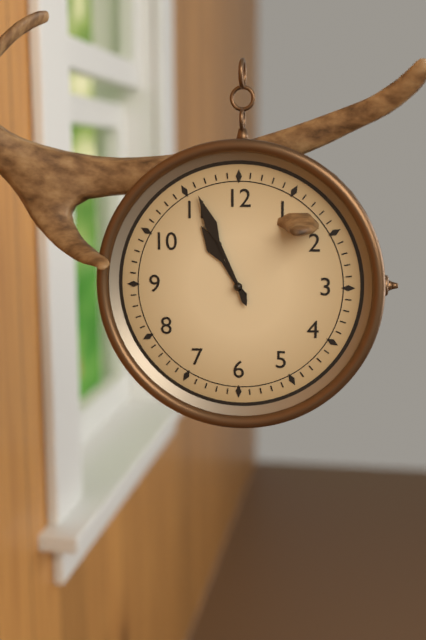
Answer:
**10:56**
